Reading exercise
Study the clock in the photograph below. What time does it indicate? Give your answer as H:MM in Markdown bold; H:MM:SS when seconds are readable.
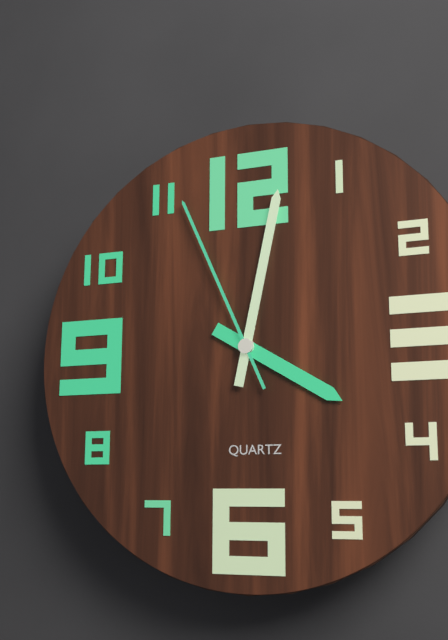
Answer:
**4:02:56**
